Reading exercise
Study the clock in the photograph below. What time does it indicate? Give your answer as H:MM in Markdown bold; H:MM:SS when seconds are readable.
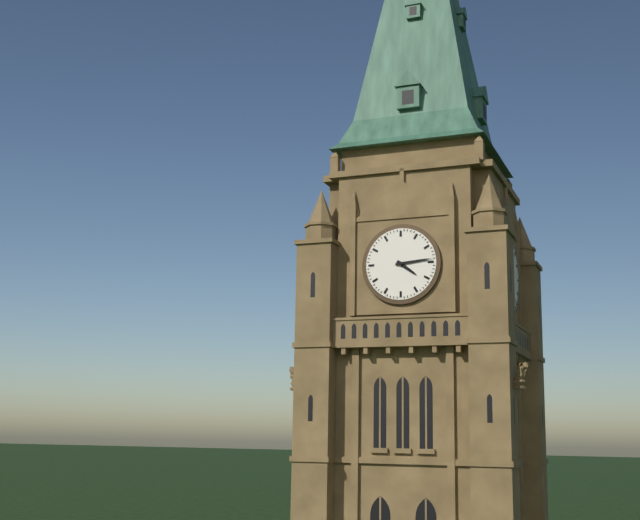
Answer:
**4:14**
